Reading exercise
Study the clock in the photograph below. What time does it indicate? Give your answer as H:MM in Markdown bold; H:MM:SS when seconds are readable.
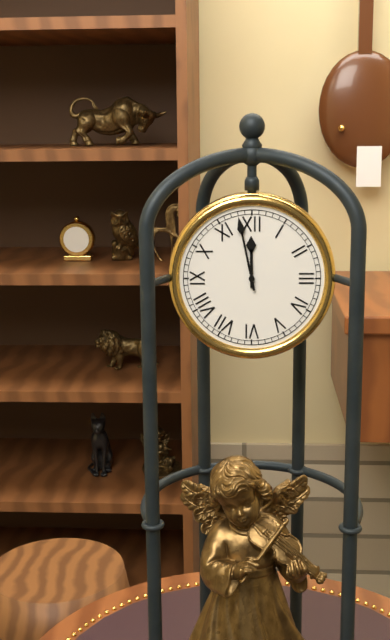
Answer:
**11:58**
